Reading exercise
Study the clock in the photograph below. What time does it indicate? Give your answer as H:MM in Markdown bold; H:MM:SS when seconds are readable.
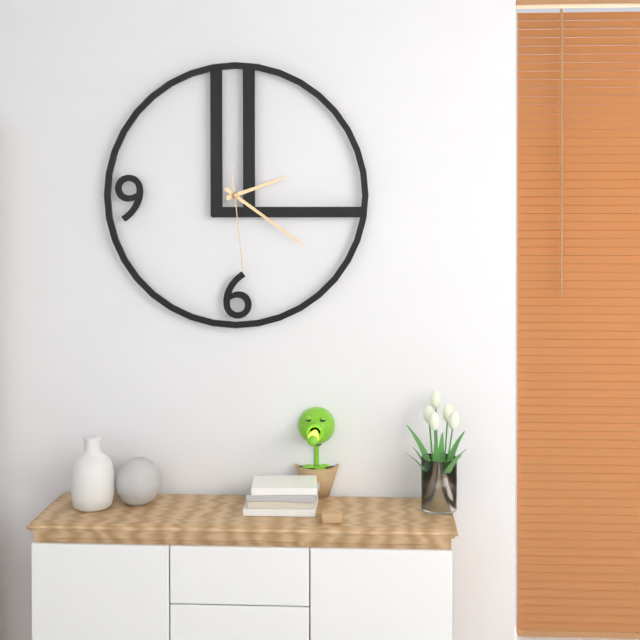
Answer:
**2:21:29**
